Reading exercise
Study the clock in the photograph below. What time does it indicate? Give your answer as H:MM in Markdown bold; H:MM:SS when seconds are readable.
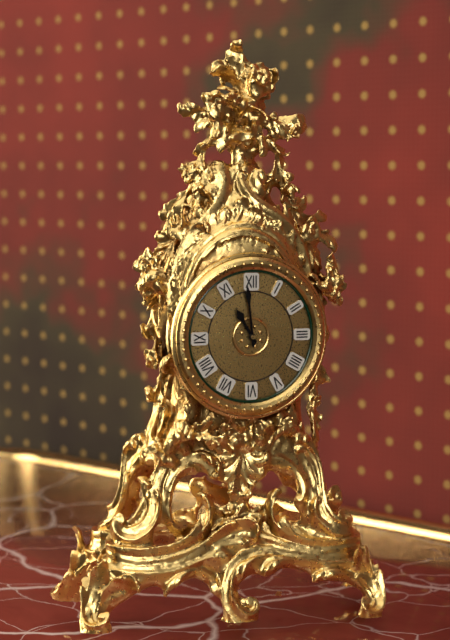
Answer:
**10:59**
